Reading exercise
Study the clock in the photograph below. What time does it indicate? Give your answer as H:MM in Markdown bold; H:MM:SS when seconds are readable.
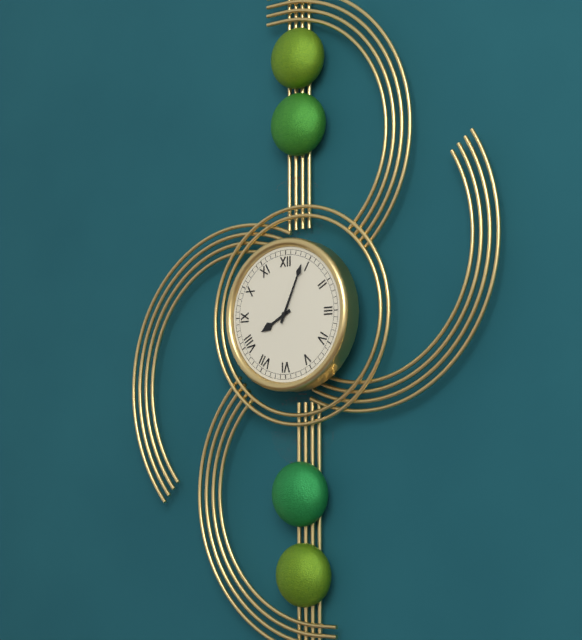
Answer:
**8:04**
